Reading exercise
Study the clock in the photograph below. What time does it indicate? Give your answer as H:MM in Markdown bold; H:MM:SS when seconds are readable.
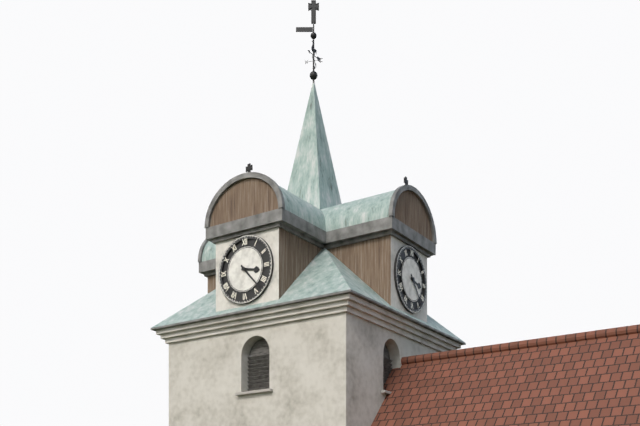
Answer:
**3:23**
